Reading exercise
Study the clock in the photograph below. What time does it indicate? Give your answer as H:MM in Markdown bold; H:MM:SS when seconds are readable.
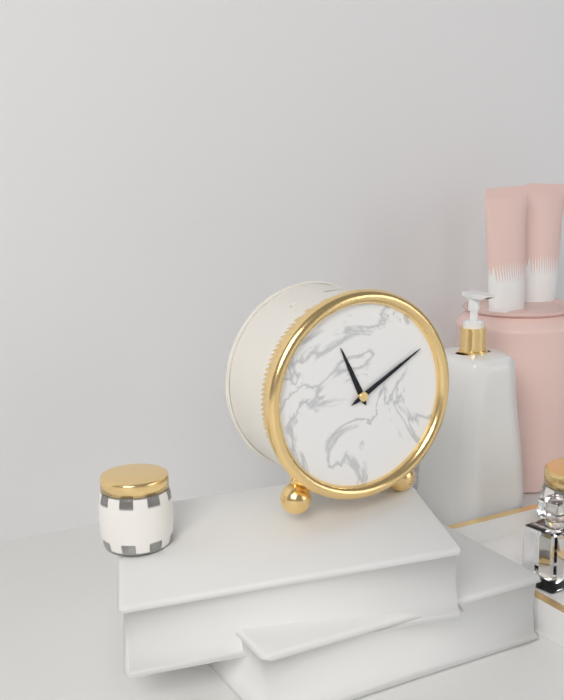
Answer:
**11:10**
